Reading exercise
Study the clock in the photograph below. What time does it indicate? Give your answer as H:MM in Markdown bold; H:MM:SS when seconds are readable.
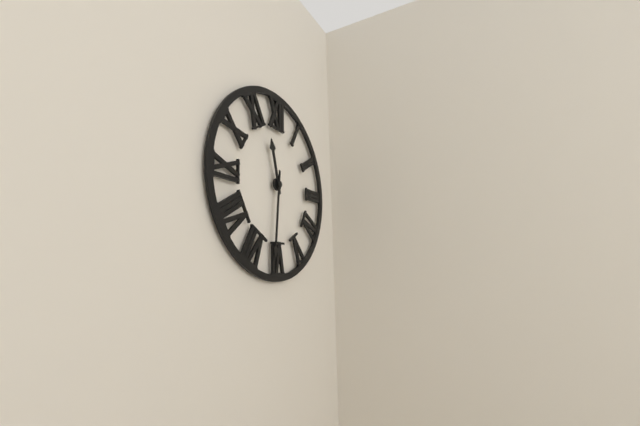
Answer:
**11:31**
